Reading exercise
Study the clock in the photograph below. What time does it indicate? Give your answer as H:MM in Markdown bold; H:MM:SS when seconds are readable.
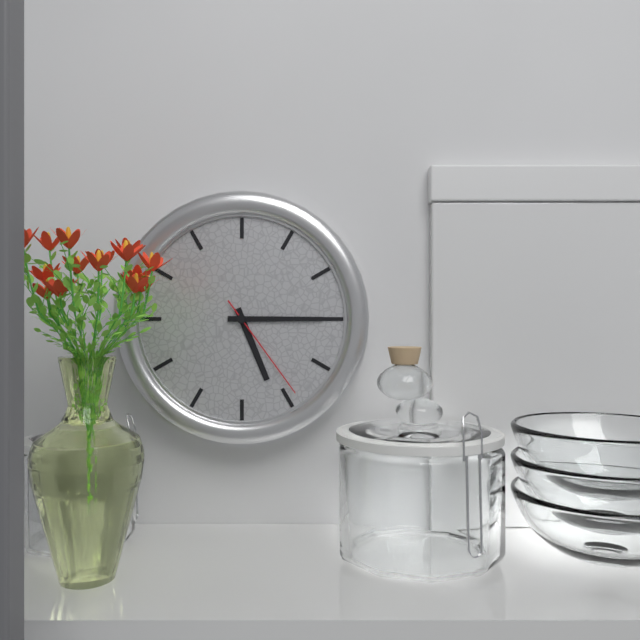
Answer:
**5:15:24**
